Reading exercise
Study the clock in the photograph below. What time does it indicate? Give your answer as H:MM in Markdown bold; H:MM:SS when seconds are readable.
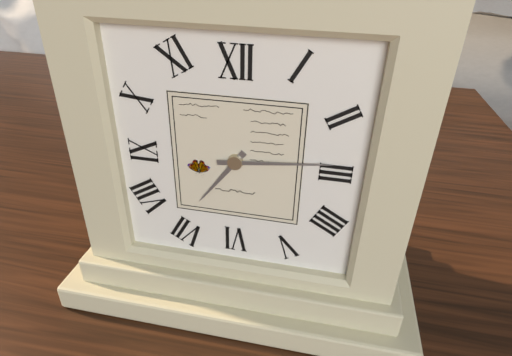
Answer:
**7:14**
